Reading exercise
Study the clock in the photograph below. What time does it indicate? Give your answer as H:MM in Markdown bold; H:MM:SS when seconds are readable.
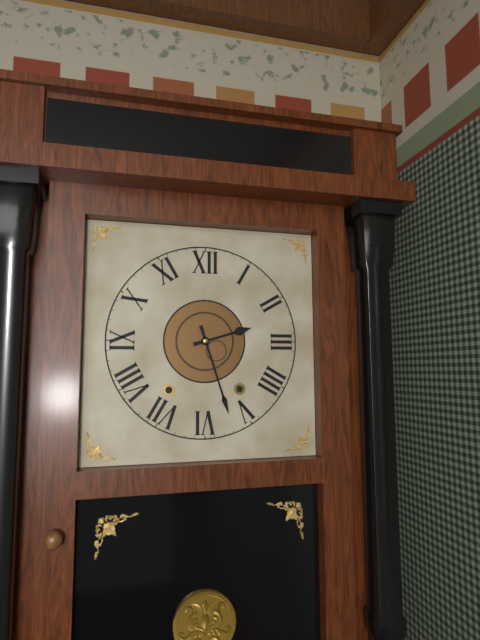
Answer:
**2:27**
